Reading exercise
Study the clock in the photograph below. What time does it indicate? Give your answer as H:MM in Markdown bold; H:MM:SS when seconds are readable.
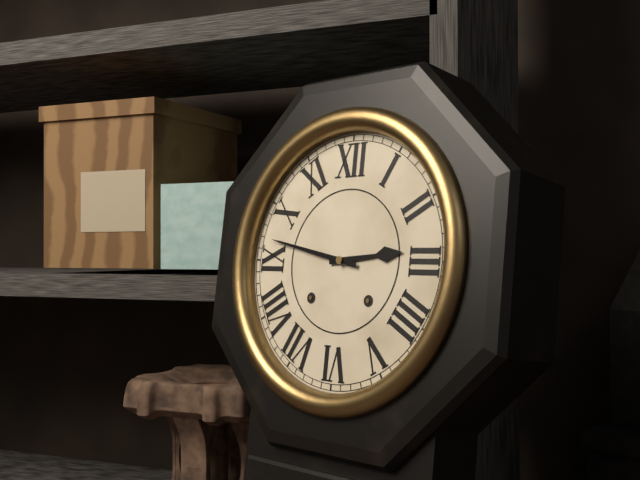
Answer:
**2:47**
